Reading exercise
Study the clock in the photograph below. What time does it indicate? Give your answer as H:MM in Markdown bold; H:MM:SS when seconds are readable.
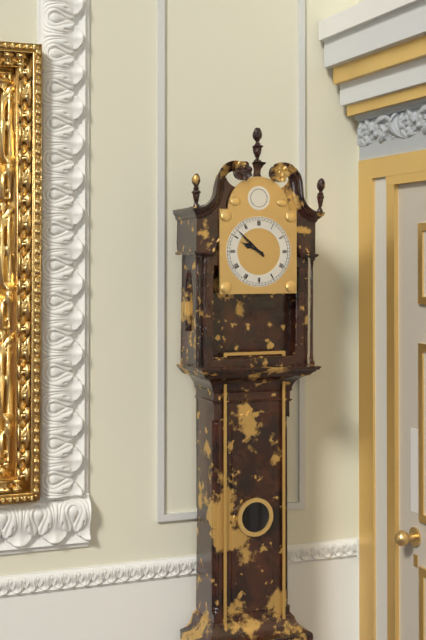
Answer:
**9:52**
